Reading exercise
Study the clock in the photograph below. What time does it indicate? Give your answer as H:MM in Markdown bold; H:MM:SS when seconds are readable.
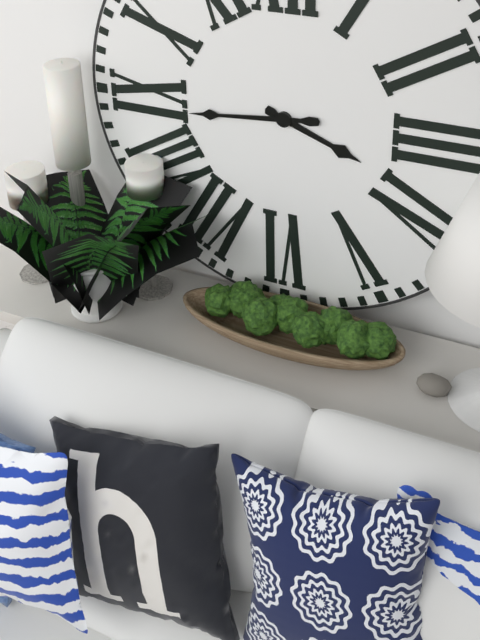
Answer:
**3:44**
